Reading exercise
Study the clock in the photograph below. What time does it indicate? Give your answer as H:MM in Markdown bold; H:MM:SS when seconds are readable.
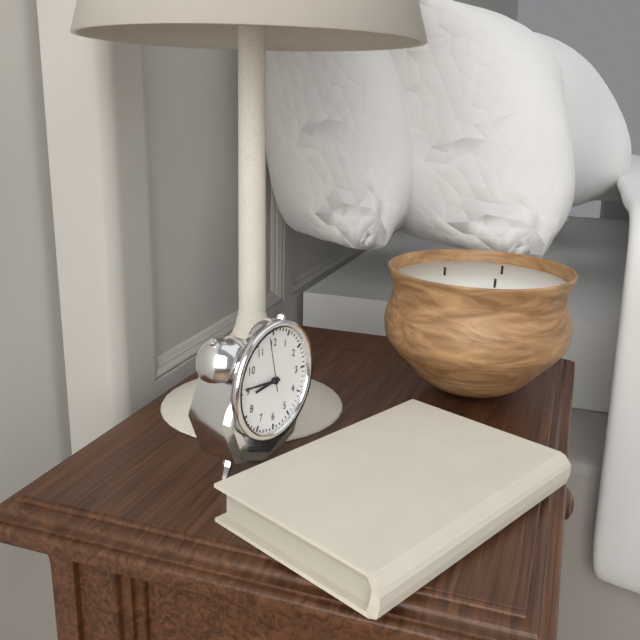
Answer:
**8:46:58**
